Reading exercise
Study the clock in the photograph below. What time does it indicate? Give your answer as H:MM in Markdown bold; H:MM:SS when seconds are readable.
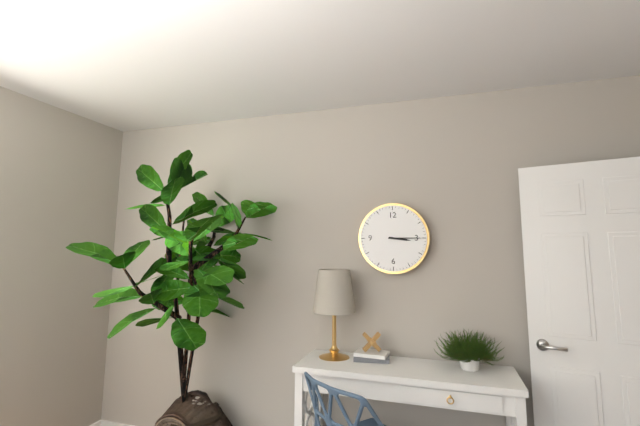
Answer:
**3:15**
